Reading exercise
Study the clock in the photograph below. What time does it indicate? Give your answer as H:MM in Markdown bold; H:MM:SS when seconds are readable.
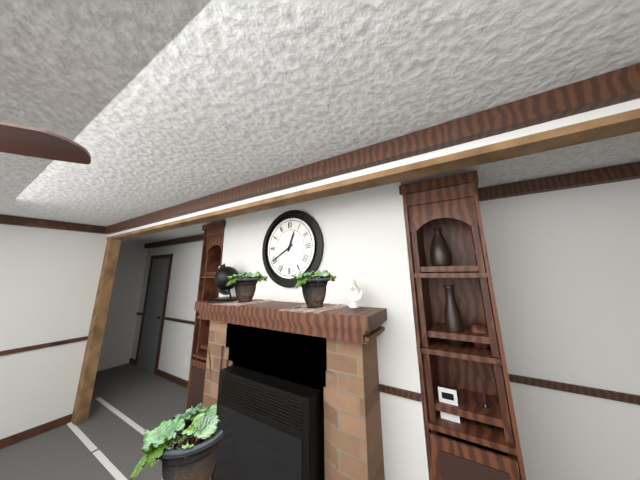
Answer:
**12:40**
